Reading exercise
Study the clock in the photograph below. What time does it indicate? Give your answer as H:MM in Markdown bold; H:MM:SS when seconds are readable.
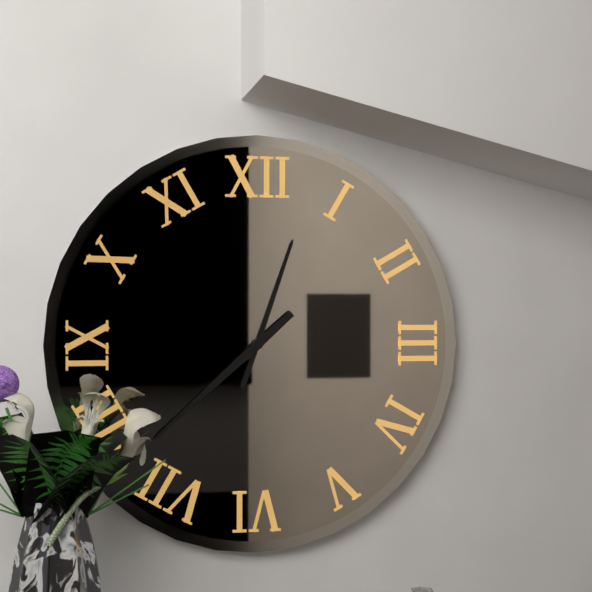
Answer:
**12:38**
